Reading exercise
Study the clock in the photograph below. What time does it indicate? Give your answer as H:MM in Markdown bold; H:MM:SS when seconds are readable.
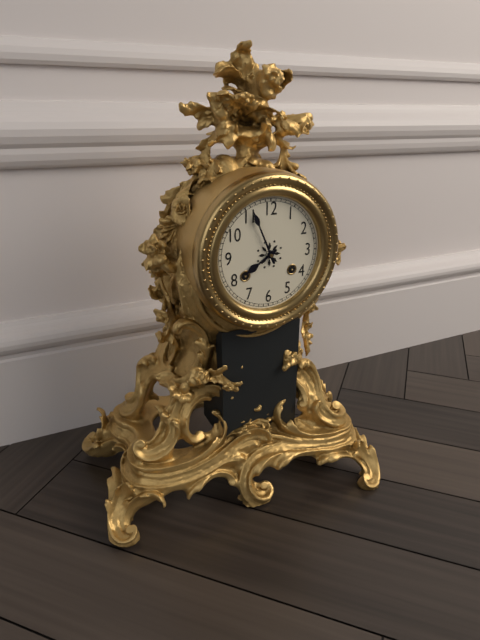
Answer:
**7:56**
